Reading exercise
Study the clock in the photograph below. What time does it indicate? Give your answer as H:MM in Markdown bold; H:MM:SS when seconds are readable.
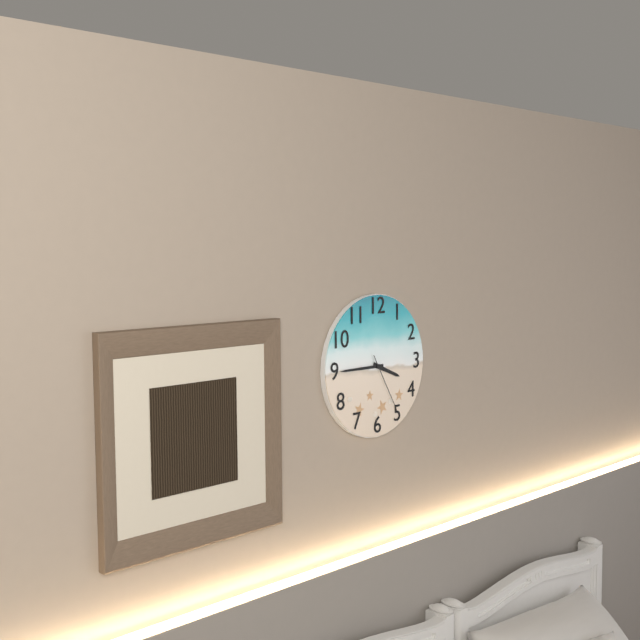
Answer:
**3:45:25**
